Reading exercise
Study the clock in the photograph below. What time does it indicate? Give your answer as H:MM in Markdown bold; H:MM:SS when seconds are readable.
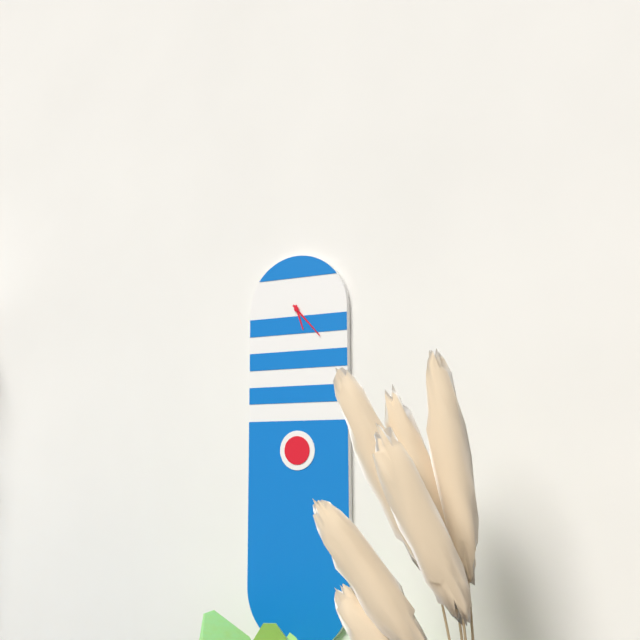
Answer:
**5:23**
